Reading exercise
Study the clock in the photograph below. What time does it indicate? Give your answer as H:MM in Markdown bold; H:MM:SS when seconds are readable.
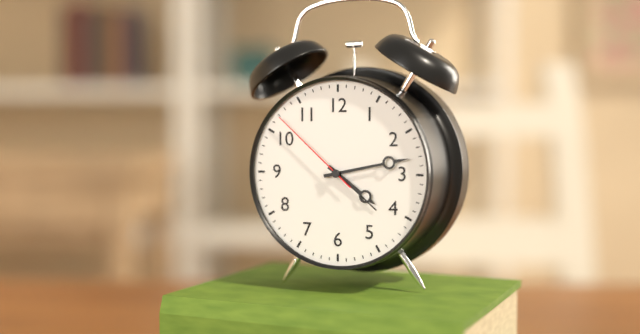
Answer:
**4:13:52**
